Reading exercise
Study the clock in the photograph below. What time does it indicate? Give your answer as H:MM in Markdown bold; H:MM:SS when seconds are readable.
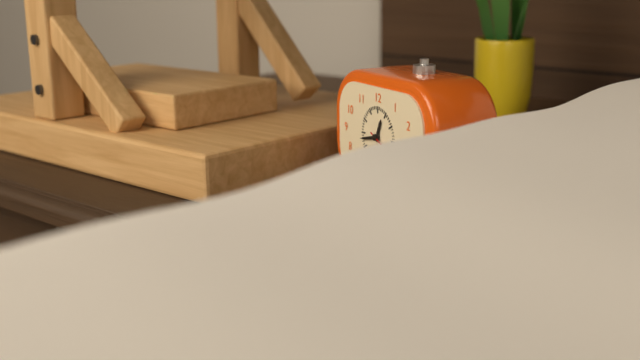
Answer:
**12:43**
